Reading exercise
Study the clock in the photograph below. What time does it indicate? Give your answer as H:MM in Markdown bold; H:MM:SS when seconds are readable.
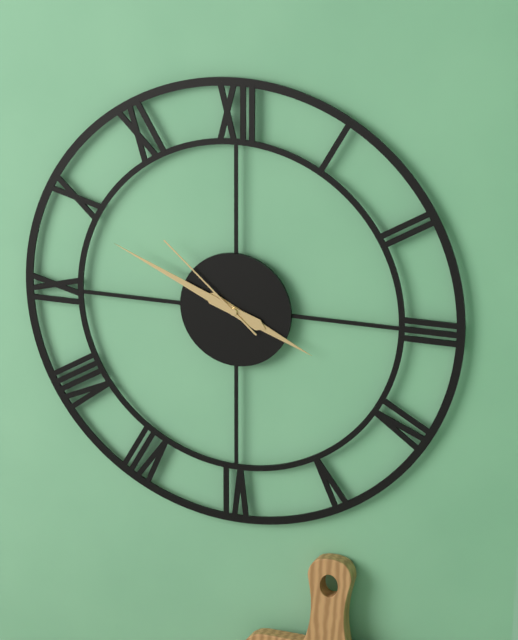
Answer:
**3:49:52**
